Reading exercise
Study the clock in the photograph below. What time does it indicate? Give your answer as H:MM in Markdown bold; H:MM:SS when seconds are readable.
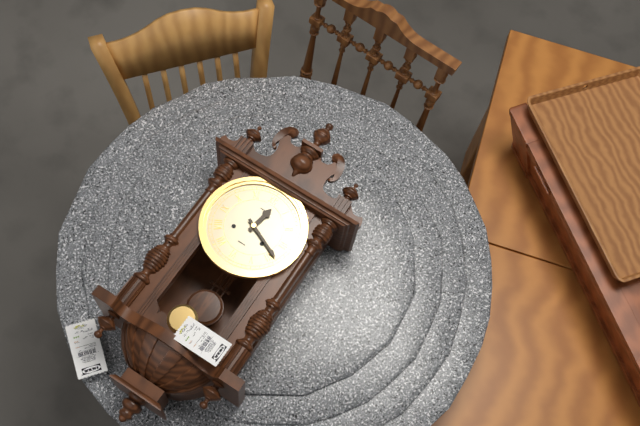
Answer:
**12:19**
